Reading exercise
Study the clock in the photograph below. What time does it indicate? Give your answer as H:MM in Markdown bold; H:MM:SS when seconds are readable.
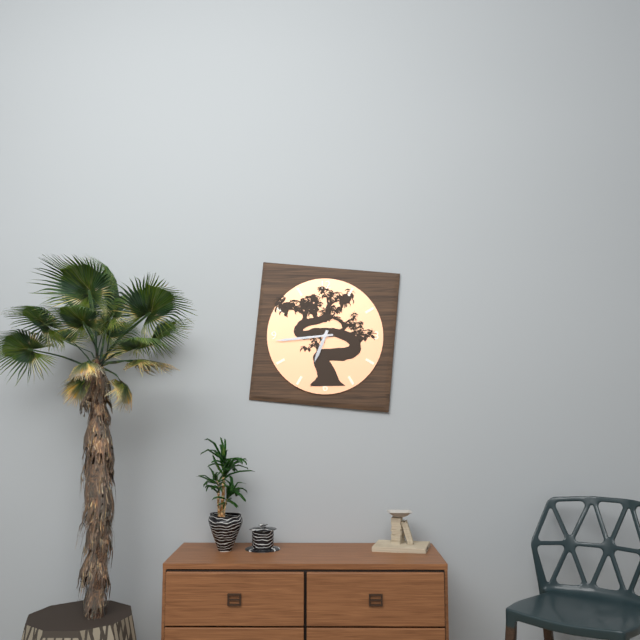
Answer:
**6:44**
